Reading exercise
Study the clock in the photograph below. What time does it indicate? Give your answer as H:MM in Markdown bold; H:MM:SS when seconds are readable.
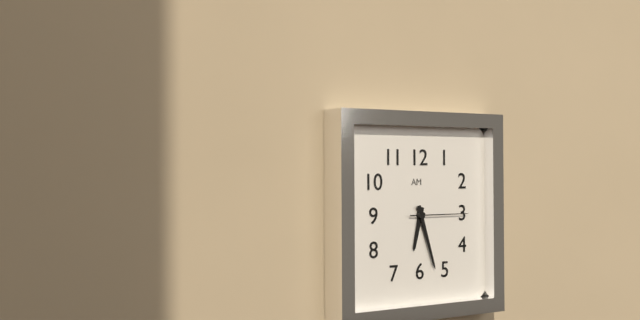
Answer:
**6:27:15**
